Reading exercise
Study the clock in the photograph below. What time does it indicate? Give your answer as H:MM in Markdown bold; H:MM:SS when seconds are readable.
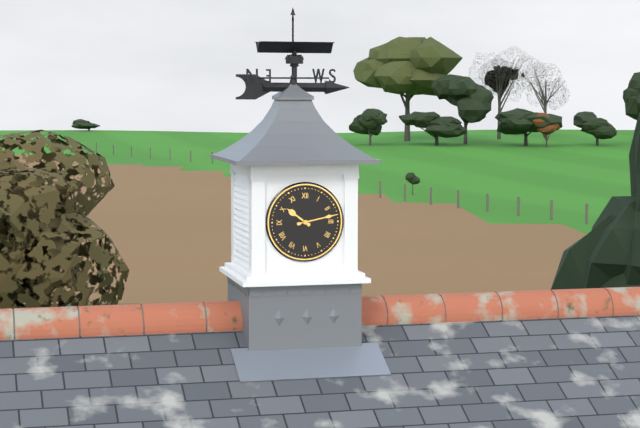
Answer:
**10:13**
